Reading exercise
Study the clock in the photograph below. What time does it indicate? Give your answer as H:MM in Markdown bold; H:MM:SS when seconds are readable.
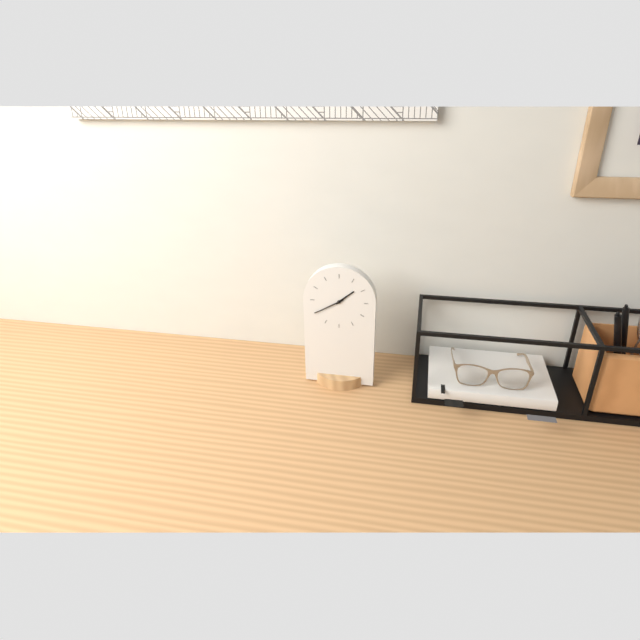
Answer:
**1:40**
